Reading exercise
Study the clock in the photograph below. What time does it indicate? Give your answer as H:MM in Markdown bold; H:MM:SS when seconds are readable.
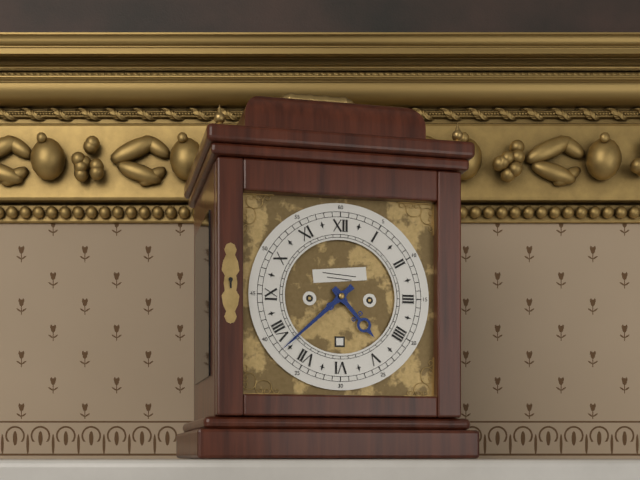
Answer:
**4:38**
